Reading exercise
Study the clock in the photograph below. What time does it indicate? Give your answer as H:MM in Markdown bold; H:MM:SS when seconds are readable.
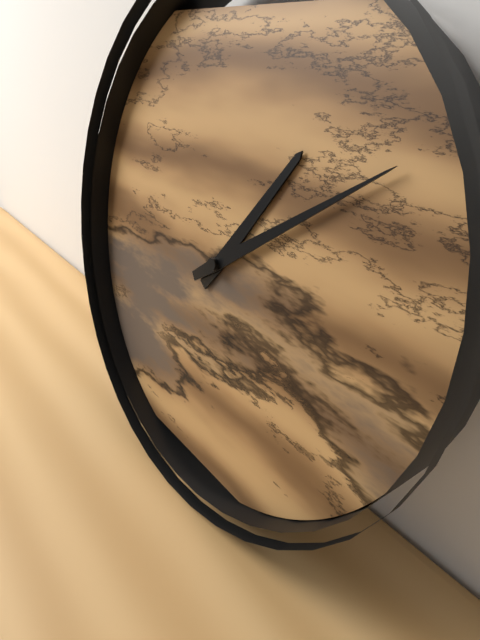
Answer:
**1:09**
